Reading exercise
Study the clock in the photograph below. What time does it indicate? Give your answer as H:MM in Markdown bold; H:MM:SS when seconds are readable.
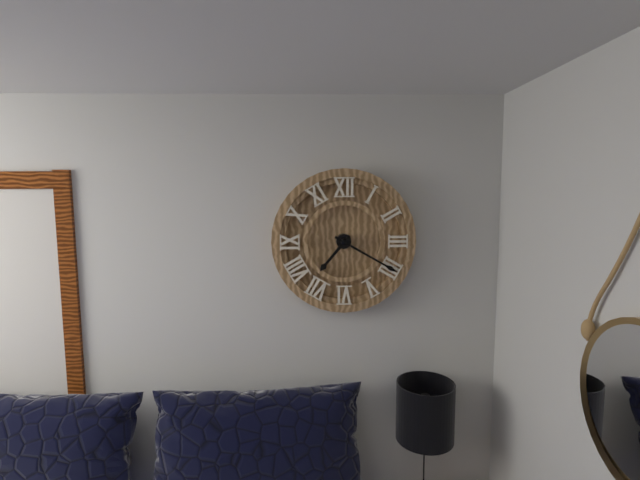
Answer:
**7:20**
